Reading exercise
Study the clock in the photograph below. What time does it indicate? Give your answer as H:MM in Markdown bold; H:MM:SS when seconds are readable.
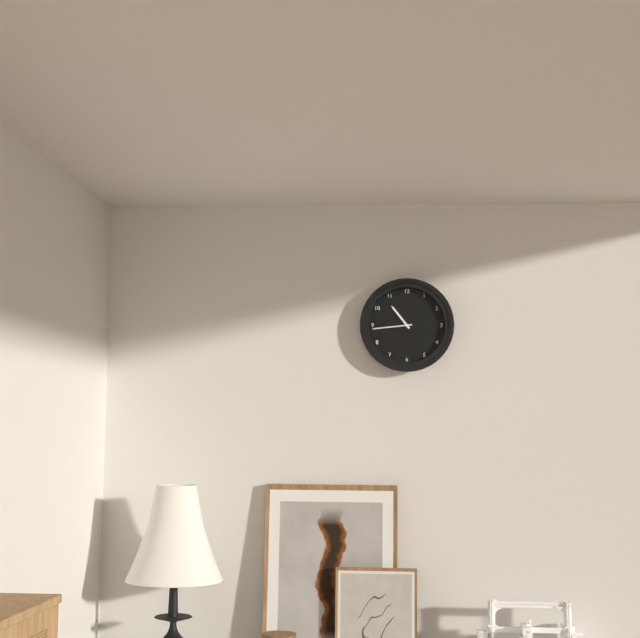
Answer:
**10:44**
